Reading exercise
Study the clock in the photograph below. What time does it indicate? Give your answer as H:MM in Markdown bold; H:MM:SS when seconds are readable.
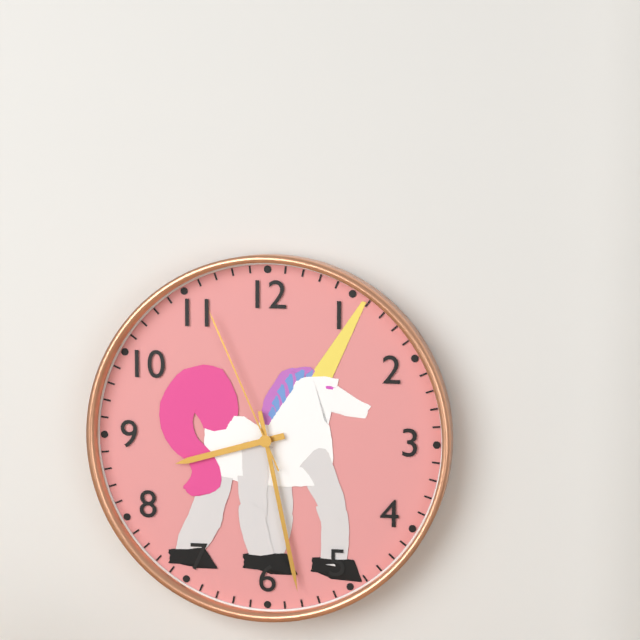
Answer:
**8:28:56**
